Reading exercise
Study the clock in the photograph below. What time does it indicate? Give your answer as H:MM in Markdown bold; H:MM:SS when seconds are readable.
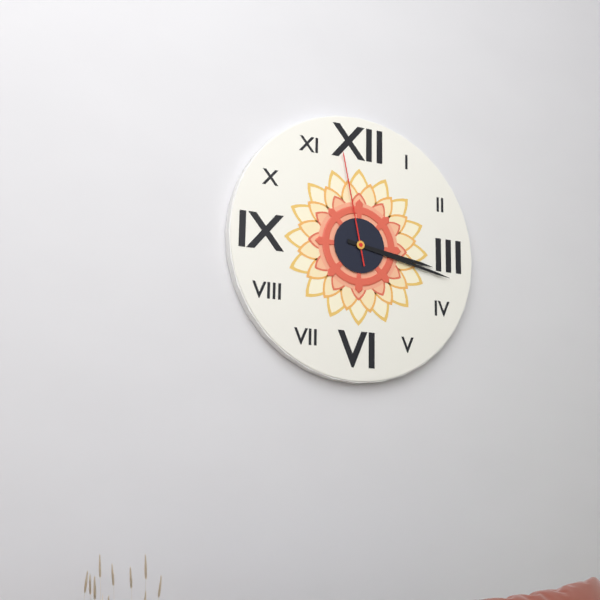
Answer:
**3:17:58**
